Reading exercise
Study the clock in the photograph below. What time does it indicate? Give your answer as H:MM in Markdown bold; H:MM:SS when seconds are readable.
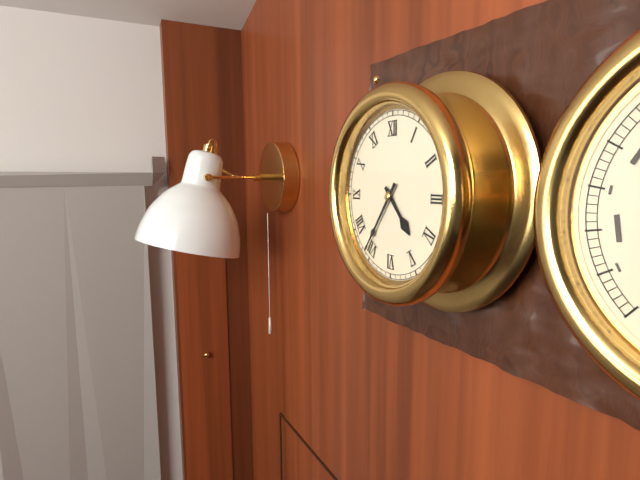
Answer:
**4:36**
